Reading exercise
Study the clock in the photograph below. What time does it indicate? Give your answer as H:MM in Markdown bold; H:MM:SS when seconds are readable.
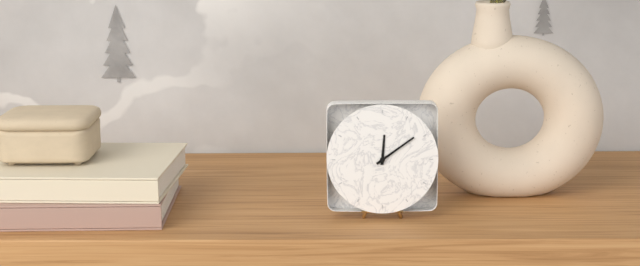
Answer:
**12:09**
